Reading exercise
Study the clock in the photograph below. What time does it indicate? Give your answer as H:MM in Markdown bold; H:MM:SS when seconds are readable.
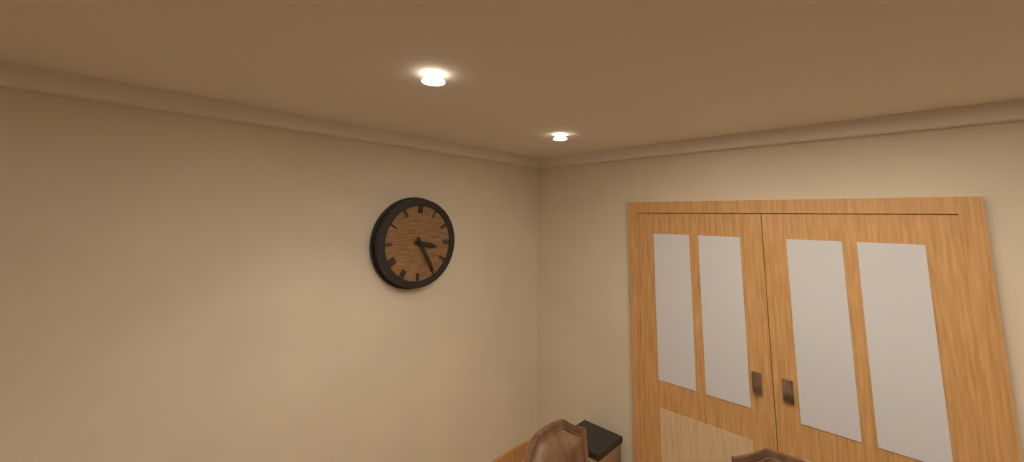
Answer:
**3:25**
